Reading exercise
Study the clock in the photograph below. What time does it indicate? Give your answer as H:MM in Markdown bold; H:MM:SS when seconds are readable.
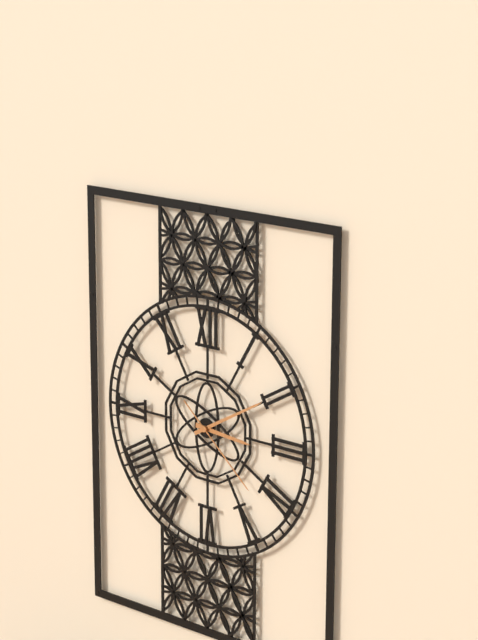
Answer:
**3:10:22**
